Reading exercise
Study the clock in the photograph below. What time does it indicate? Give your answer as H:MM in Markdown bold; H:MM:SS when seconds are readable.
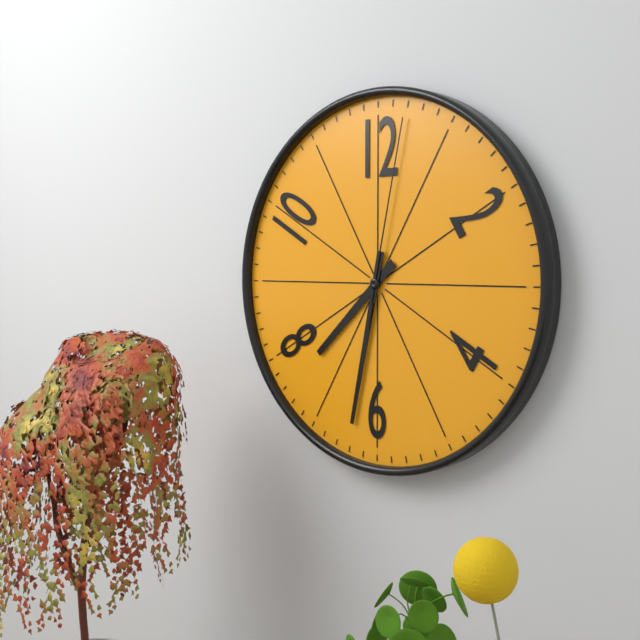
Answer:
**7:32:02**
